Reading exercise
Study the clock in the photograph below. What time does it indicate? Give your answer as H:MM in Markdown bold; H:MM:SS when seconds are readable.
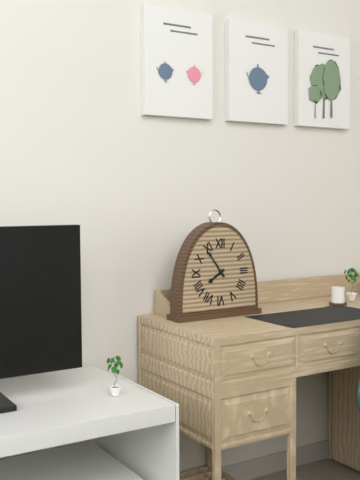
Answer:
**7:54**
